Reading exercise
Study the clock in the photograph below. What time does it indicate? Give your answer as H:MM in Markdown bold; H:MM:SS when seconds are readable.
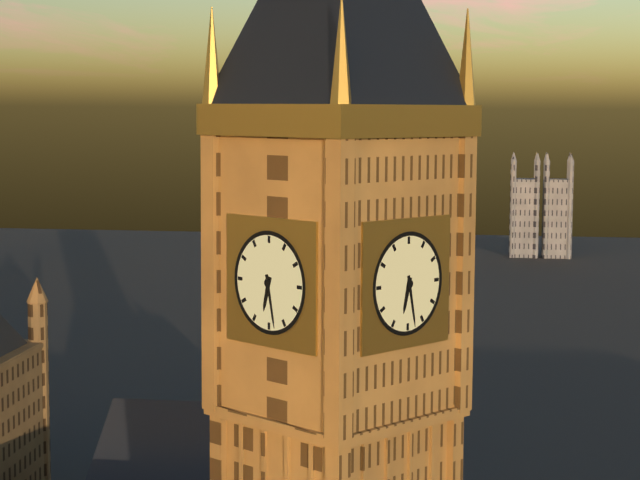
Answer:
**6:28**
